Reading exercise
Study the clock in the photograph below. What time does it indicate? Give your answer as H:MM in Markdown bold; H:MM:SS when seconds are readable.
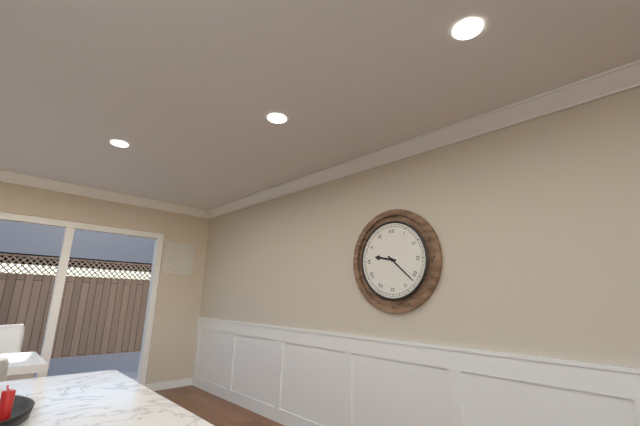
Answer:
**9:22**
